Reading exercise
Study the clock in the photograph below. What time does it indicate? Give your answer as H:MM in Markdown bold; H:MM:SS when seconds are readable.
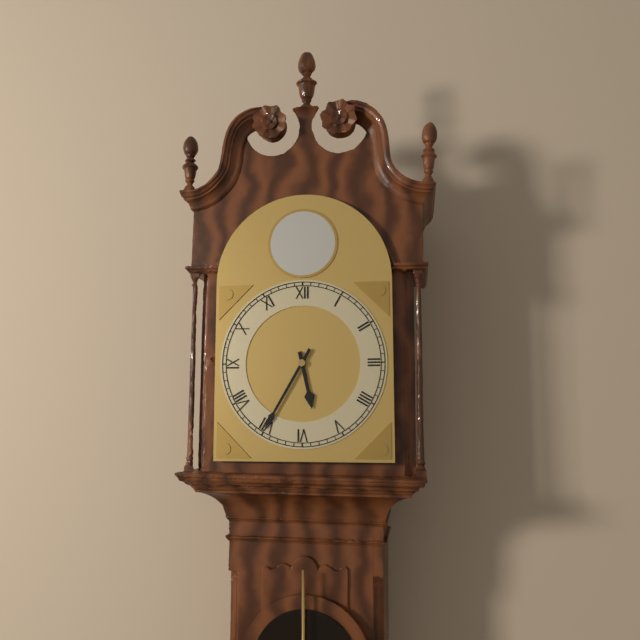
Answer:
**5:35**
